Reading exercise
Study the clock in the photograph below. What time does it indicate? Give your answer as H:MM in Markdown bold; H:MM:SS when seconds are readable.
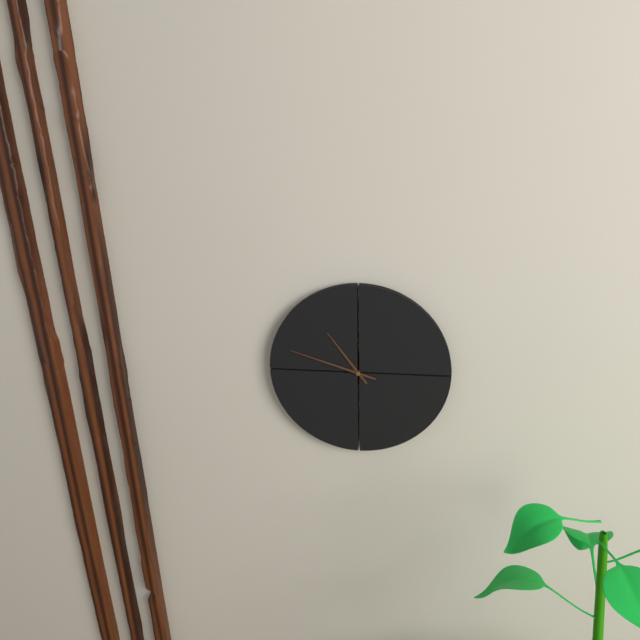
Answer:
**10:48**
